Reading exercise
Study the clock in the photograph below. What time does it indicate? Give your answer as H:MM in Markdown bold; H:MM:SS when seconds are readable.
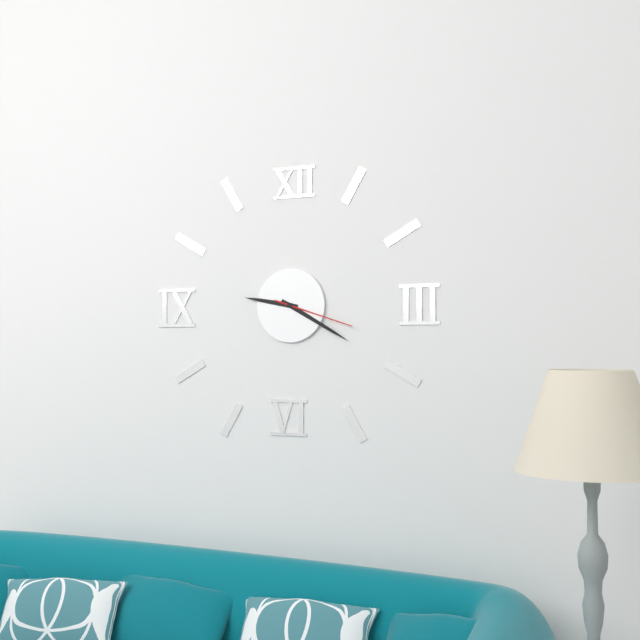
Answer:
**9:20:18**
